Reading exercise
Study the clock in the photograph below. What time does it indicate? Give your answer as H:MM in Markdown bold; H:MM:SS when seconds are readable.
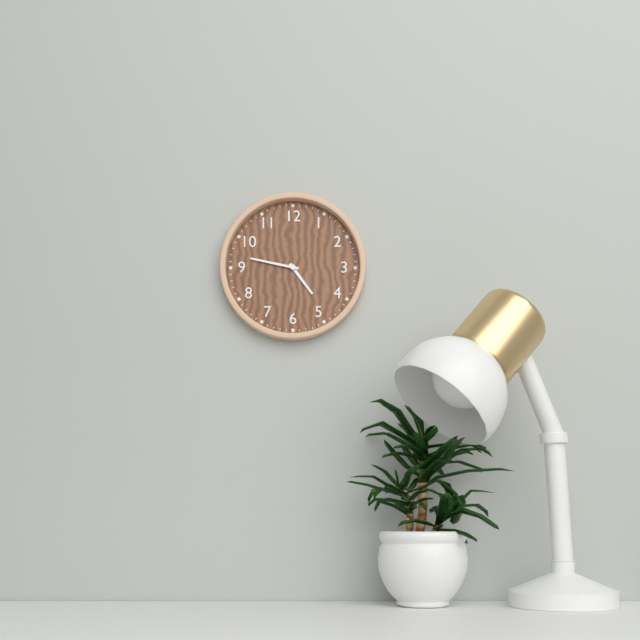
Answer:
**4:47**
